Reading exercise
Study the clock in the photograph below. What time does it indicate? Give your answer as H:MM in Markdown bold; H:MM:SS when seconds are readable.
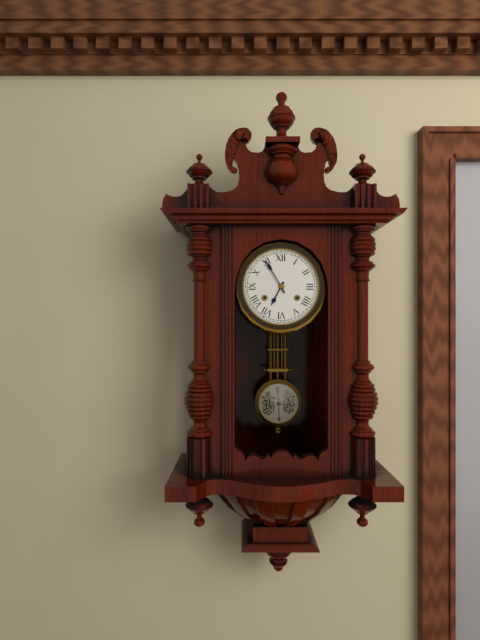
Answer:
**6:55**
